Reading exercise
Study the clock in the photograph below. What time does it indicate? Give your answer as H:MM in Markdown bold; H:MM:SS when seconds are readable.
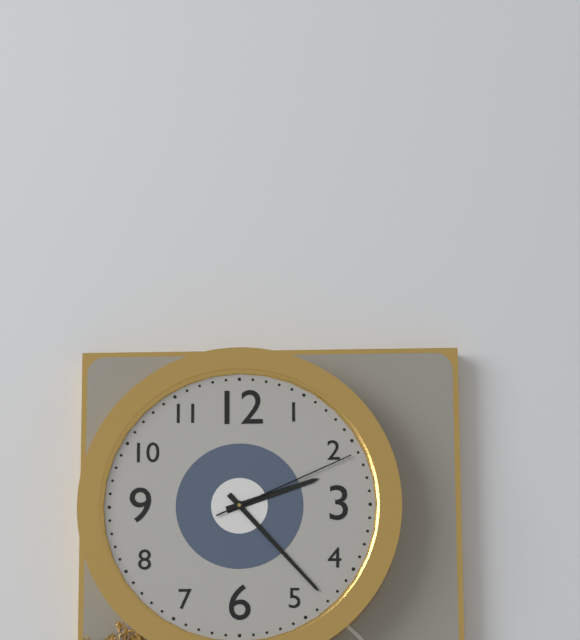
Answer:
**2:23:11**
